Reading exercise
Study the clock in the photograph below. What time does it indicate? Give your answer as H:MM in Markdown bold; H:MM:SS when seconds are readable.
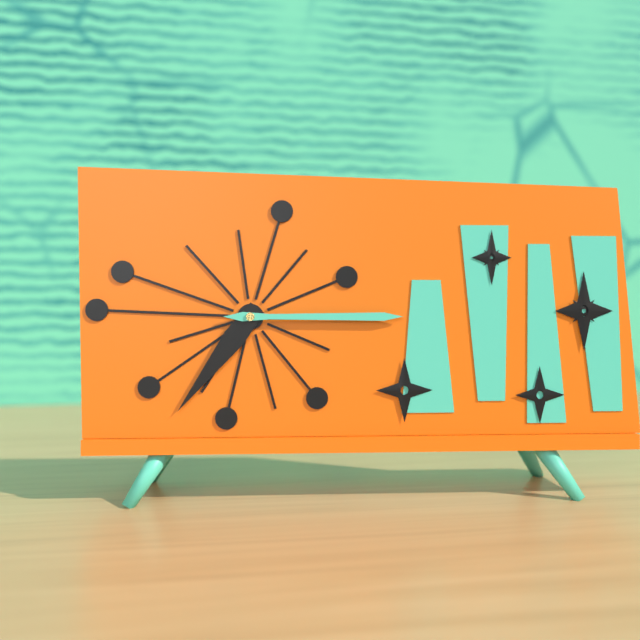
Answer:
**7:15**
